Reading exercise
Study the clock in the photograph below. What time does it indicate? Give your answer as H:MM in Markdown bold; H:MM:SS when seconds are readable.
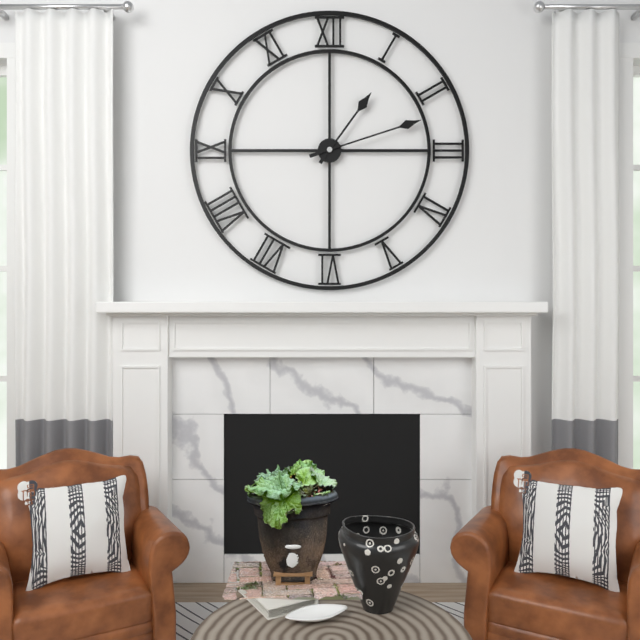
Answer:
**1:12**
